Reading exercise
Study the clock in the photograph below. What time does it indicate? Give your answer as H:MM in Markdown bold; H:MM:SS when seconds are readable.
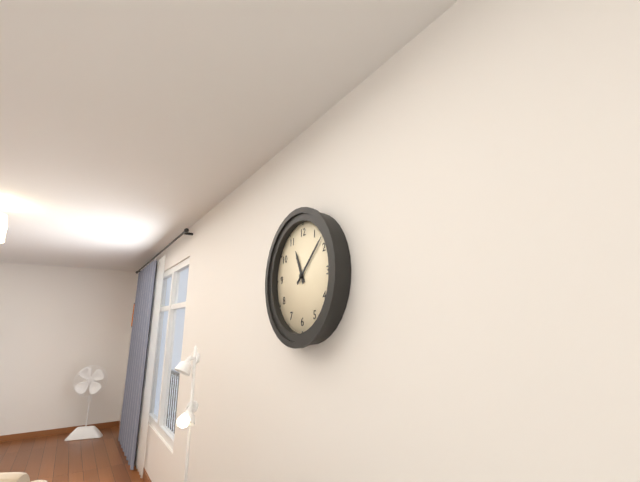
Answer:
**11:08**
